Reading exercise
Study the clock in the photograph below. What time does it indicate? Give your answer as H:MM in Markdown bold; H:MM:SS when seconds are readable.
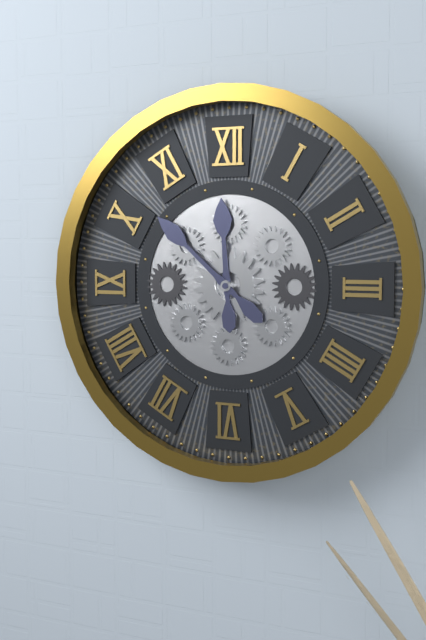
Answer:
**11:52**
